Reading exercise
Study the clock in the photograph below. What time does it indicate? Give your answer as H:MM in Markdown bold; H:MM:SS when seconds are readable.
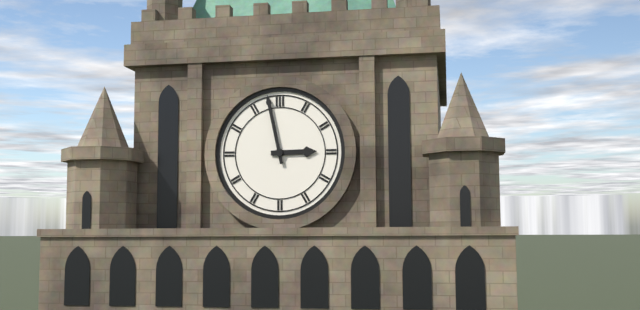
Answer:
**2:58**
